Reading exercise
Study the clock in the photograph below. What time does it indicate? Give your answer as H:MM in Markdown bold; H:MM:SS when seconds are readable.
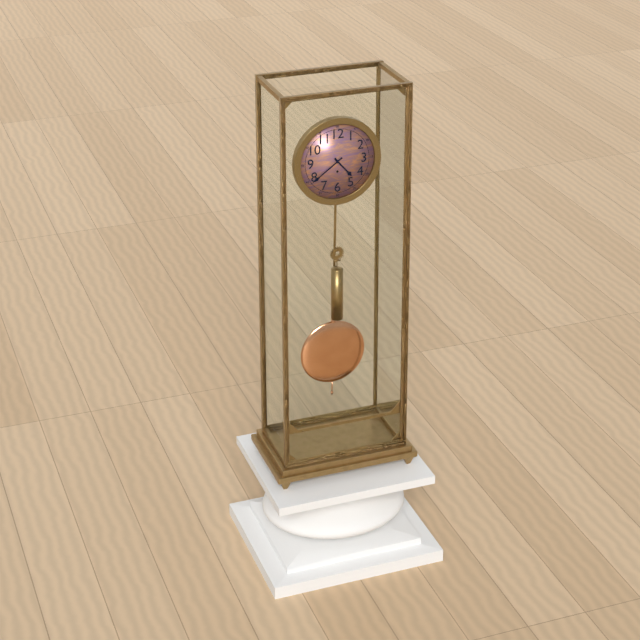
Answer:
**4:39**
